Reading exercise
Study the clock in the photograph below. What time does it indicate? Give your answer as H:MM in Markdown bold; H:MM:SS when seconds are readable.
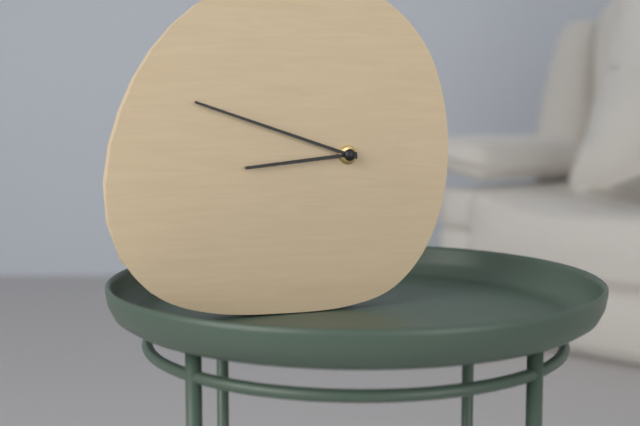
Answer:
**8:48**
